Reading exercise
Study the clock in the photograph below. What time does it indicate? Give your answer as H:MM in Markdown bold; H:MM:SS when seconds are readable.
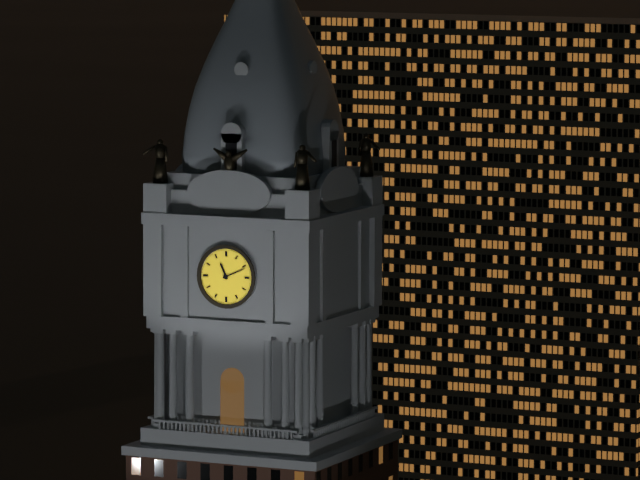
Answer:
**11:11**
